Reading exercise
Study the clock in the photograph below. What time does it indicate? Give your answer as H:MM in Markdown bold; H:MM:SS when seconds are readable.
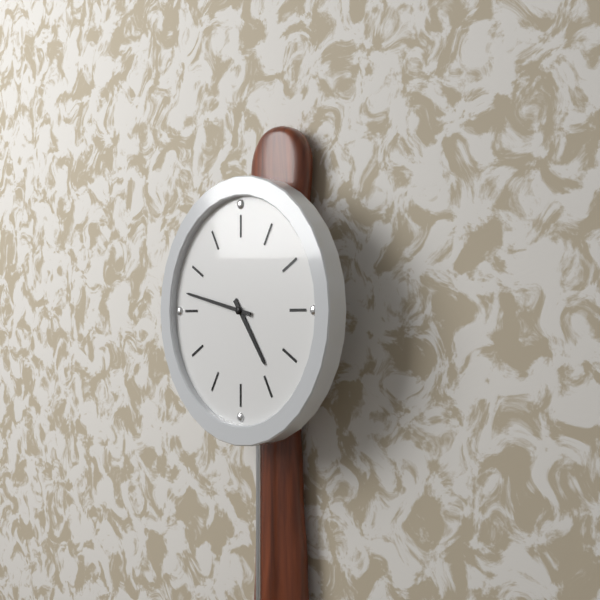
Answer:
**4:47**
